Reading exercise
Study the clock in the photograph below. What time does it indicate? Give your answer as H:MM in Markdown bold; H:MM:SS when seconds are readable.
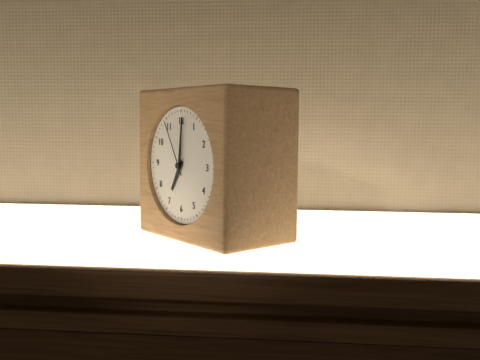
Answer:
**7:01:55**
